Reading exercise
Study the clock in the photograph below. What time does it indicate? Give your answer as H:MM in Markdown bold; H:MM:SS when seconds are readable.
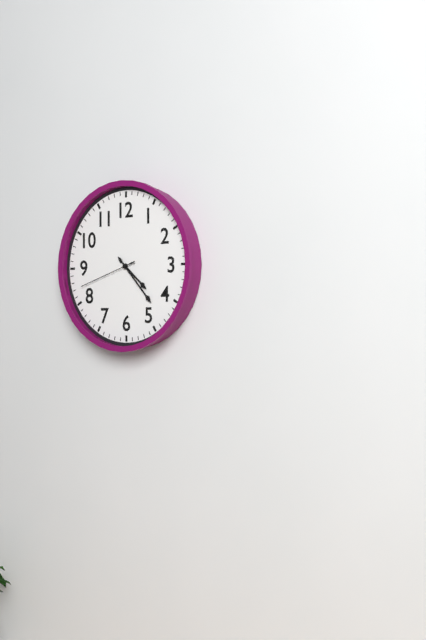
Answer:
**4:23:42**
